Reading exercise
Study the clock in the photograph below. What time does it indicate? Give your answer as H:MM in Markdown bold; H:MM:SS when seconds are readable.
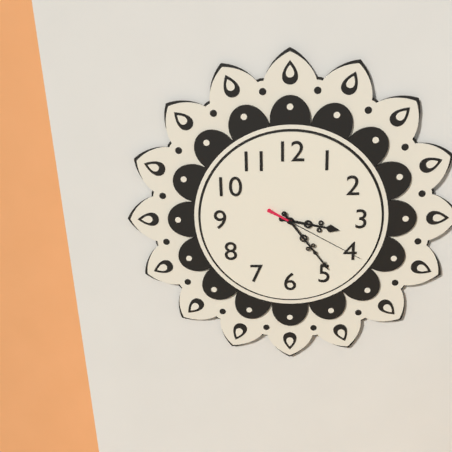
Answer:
**3:24:20**
